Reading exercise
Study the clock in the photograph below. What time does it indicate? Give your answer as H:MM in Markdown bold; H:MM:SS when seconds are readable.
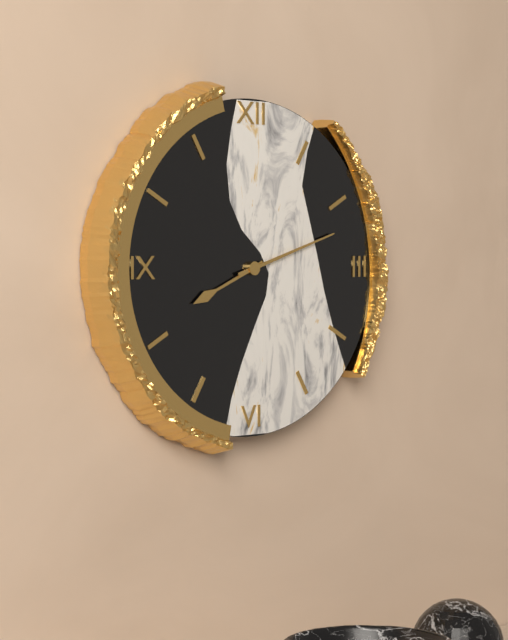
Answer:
**8:12**
